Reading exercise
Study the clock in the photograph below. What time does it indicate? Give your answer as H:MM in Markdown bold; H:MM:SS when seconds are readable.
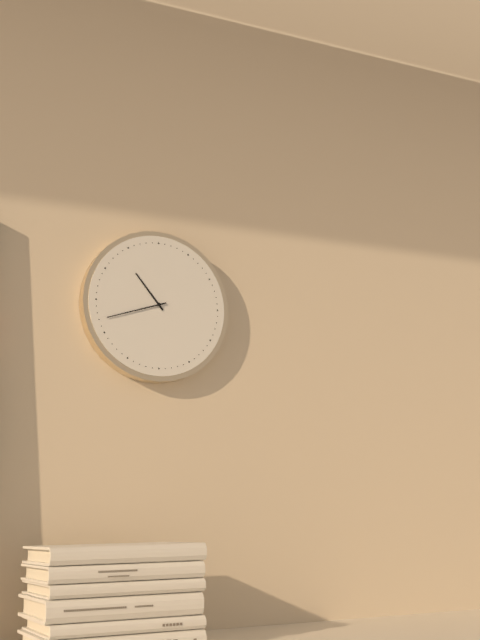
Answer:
**10:42**
